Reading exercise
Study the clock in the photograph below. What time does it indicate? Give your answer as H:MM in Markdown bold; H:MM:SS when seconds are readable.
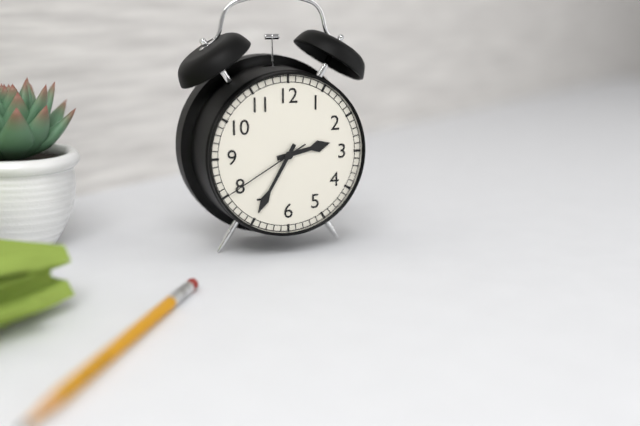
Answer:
**2:35:40**
